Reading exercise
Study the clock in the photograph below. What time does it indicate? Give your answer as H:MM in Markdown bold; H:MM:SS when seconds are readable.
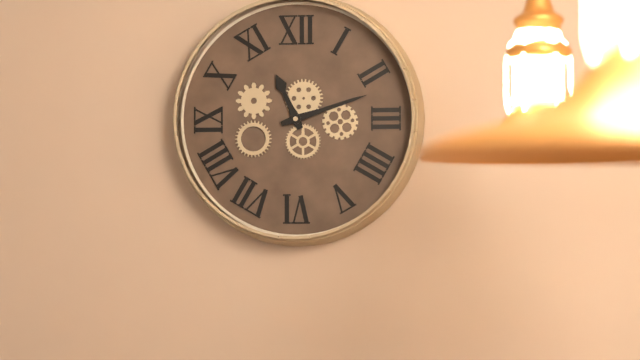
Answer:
**11:12**
